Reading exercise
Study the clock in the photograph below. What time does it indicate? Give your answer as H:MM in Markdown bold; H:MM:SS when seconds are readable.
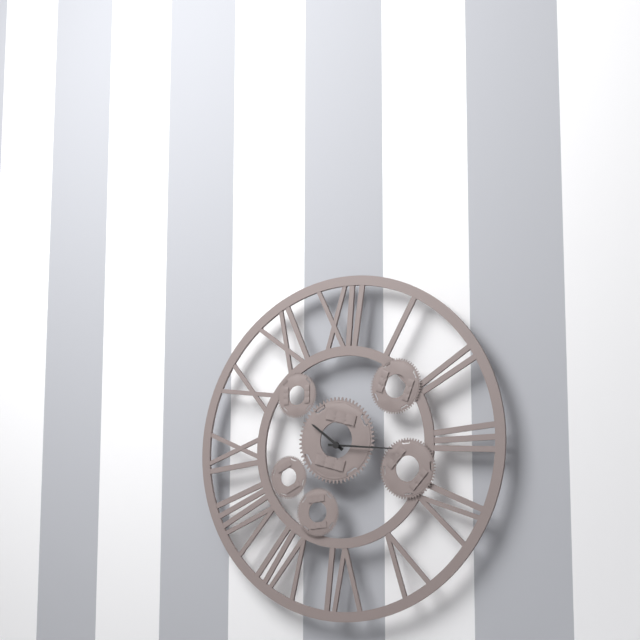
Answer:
**10:16**
